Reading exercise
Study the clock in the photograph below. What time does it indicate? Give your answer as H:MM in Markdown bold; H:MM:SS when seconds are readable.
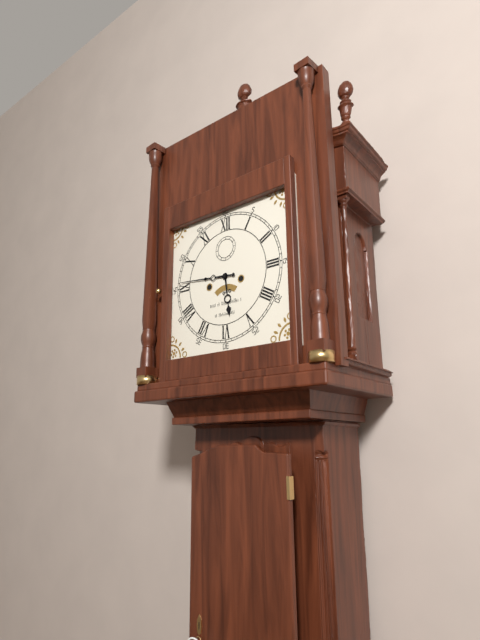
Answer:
**5:46**
